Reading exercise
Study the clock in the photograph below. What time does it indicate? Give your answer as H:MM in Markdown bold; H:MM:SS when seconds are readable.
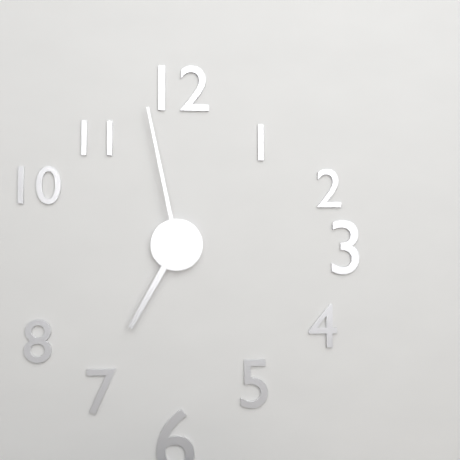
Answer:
**6:58**
